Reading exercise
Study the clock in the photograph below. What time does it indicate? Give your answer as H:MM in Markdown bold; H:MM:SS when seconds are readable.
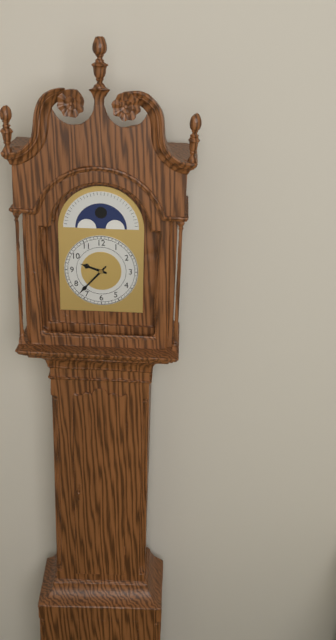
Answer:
**9:37**
